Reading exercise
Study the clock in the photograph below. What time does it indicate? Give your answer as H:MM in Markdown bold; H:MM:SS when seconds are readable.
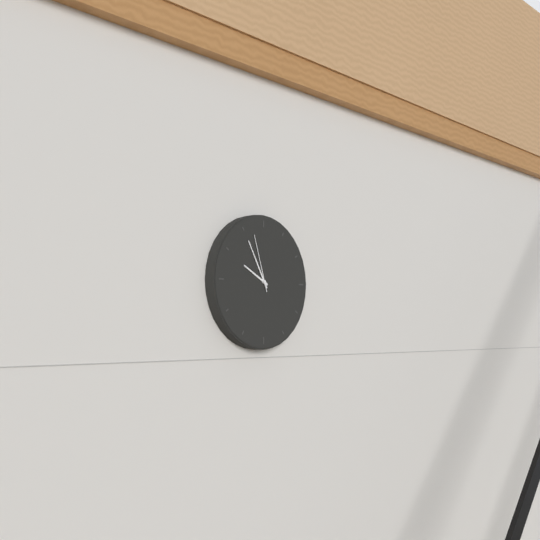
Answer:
**9:55:57**
